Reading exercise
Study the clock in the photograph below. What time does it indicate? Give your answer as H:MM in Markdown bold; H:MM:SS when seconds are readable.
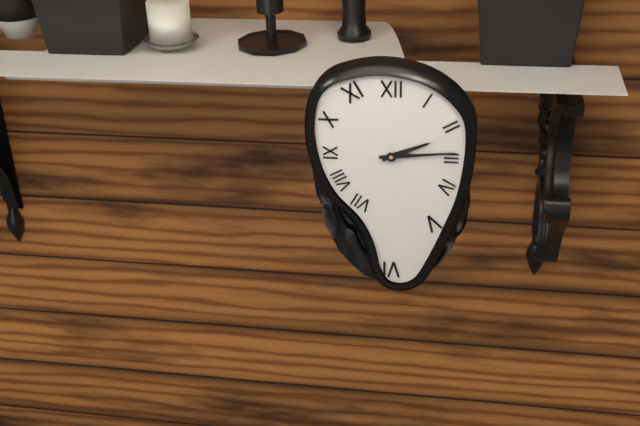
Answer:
**2:14**
